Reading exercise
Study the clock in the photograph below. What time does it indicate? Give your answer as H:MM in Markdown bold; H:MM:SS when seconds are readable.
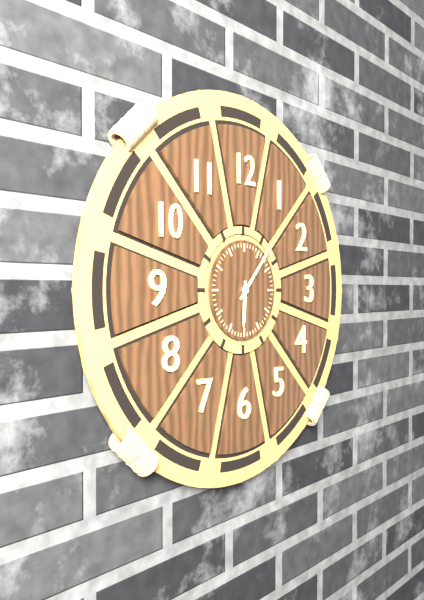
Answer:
**6:07**
